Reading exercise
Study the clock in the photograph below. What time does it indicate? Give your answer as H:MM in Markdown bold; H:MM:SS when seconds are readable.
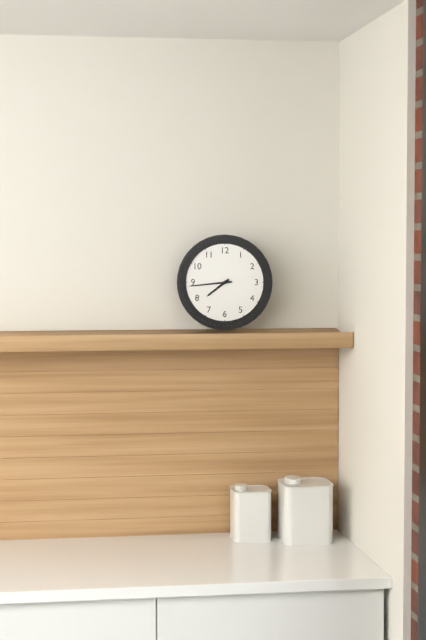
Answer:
**7:44**
